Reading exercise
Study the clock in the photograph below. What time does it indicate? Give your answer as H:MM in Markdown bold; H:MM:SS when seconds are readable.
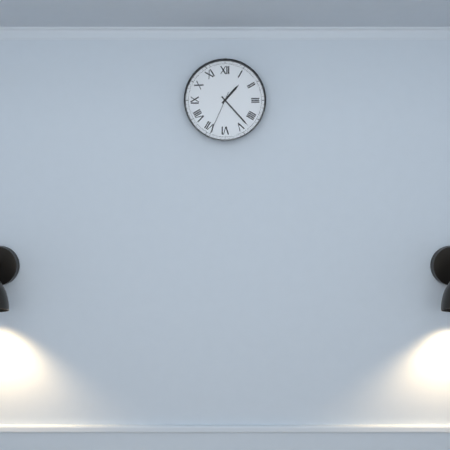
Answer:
**1:23**
